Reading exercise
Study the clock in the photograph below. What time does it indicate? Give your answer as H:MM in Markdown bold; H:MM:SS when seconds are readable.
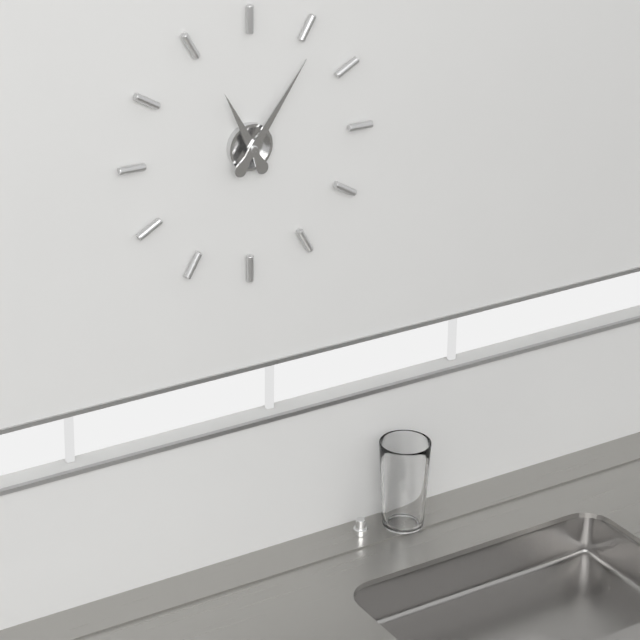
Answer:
**11:06**
